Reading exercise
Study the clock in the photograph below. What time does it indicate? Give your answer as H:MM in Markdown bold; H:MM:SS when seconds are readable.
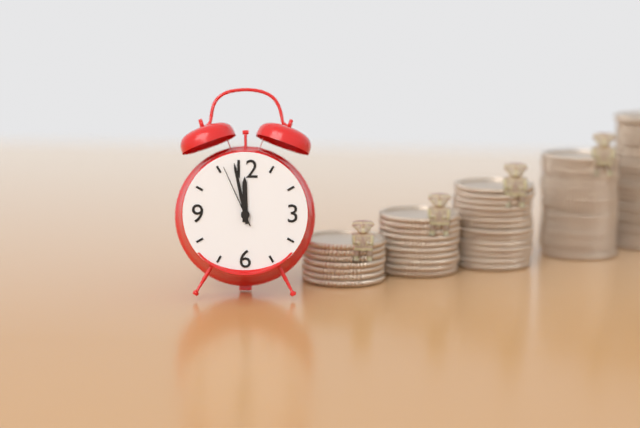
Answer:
**11:58:56**
